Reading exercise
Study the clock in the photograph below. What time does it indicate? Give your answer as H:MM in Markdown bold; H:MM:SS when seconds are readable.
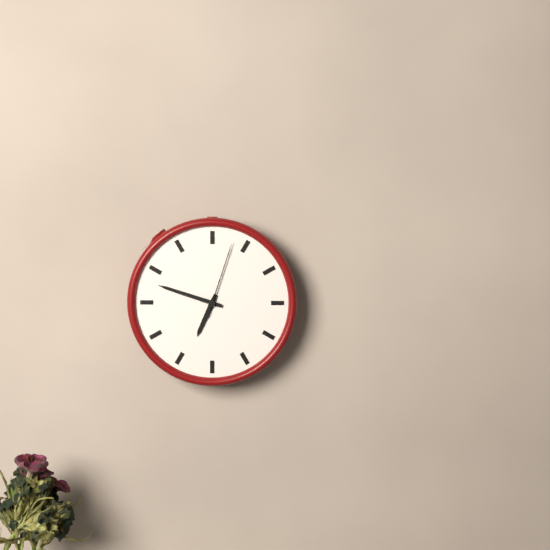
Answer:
**6:48:03**
